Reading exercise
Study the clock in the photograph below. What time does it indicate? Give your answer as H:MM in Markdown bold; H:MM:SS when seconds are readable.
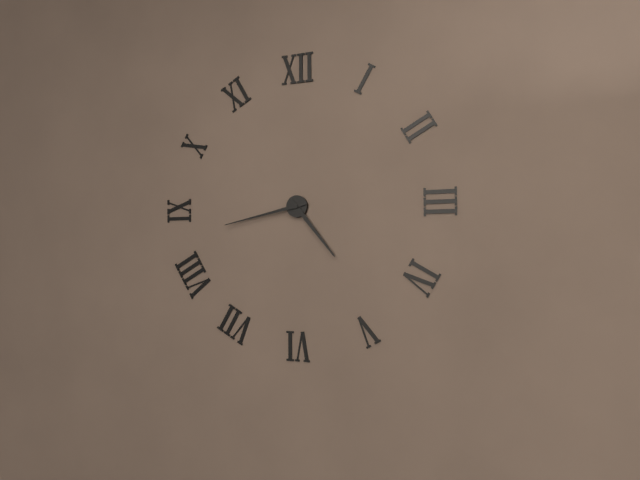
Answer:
**4:43**
